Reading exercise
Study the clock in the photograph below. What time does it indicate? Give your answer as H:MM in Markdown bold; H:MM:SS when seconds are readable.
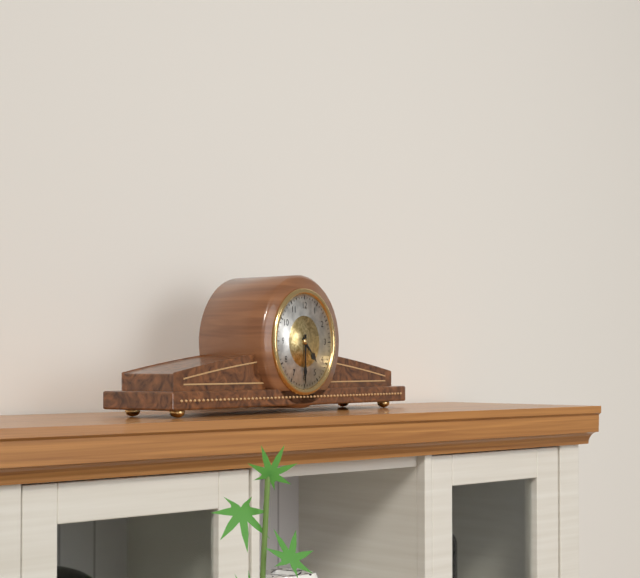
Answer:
**4:30**
